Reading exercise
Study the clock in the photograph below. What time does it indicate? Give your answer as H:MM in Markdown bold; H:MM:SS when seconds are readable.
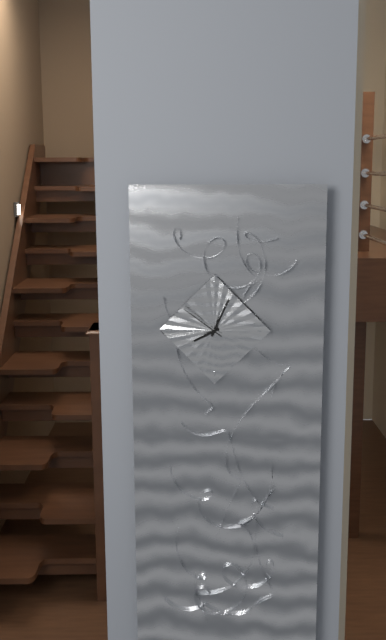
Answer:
**8:04:51**
